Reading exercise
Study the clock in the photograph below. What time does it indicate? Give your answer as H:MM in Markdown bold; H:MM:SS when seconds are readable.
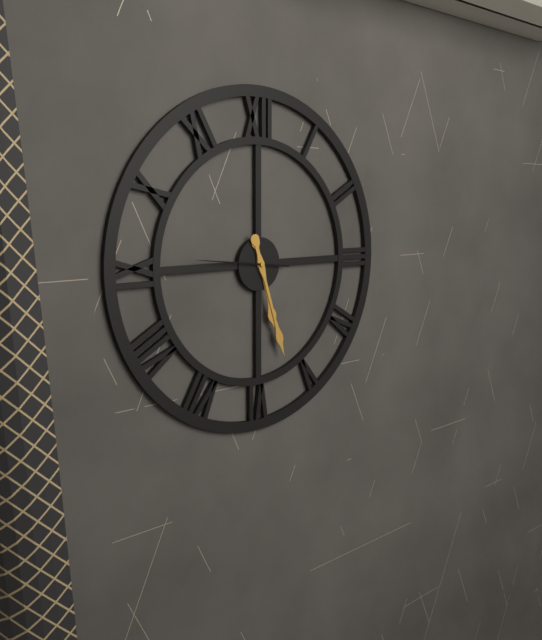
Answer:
**5:27:46**
